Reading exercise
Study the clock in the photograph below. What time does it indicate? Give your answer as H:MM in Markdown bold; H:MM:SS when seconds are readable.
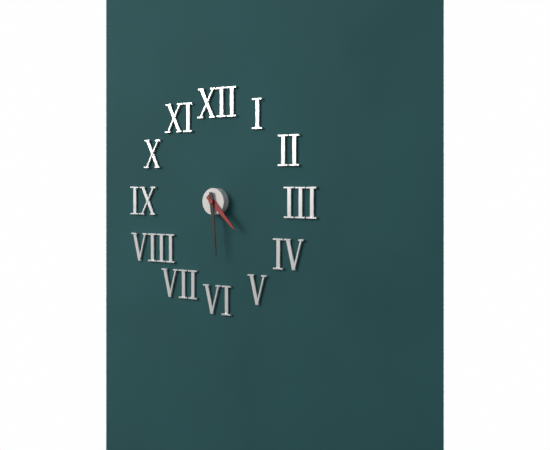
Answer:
**4:29**
